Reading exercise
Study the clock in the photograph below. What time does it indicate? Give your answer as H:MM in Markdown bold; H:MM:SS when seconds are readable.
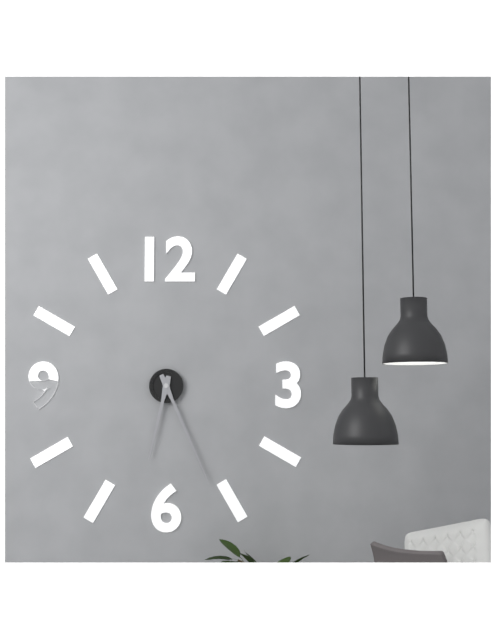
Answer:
**6:26**
